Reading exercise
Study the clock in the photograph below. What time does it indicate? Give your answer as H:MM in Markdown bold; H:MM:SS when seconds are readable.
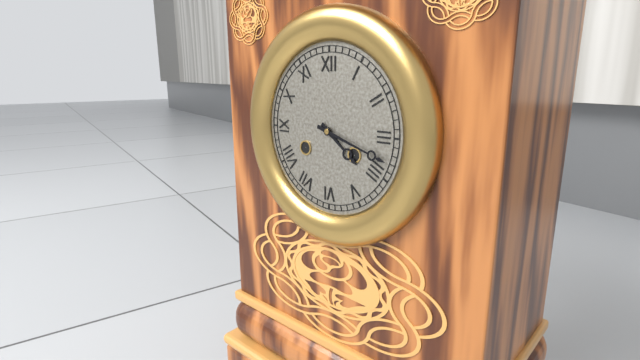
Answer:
**4:18**
